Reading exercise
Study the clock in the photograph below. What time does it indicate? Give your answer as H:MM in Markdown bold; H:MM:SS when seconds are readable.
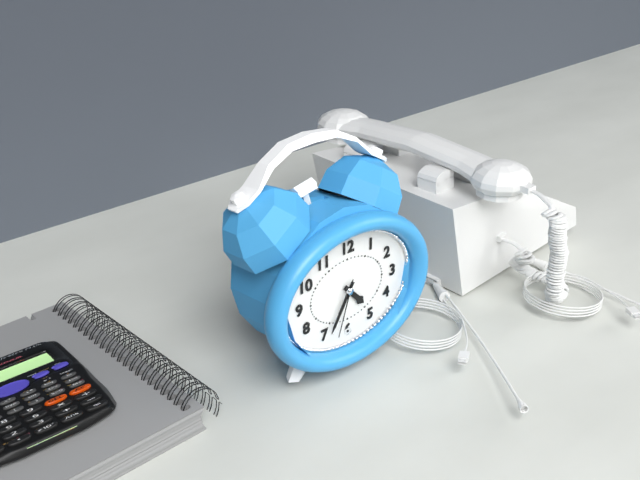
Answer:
**4:35:33**
